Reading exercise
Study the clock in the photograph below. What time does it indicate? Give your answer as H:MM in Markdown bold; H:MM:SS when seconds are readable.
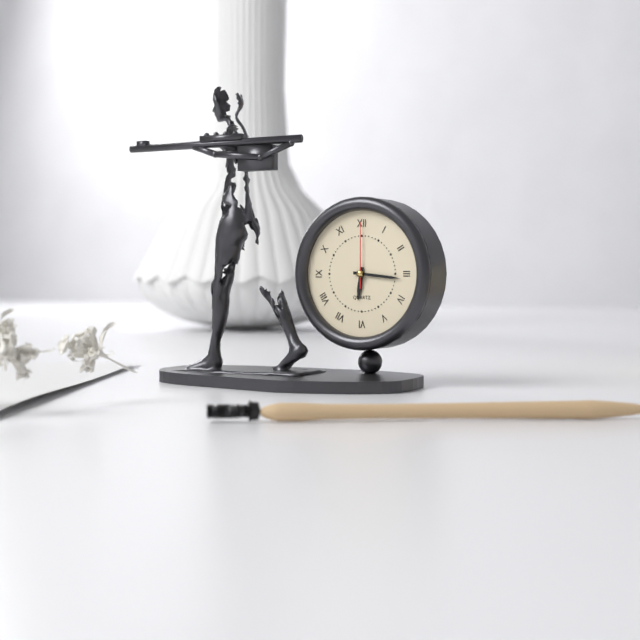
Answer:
**6:16:00**
